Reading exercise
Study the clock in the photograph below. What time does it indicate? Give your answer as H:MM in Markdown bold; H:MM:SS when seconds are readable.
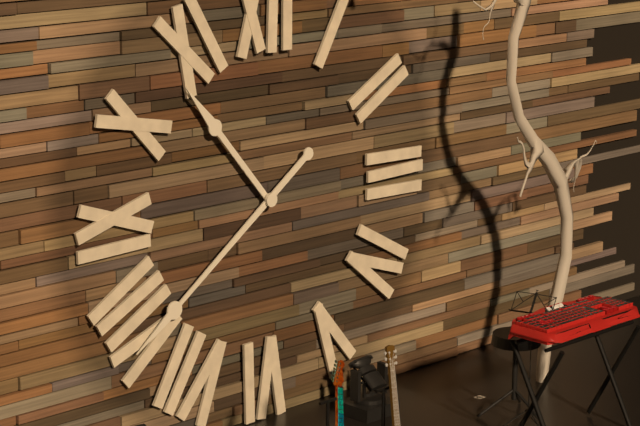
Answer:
**10:39**
